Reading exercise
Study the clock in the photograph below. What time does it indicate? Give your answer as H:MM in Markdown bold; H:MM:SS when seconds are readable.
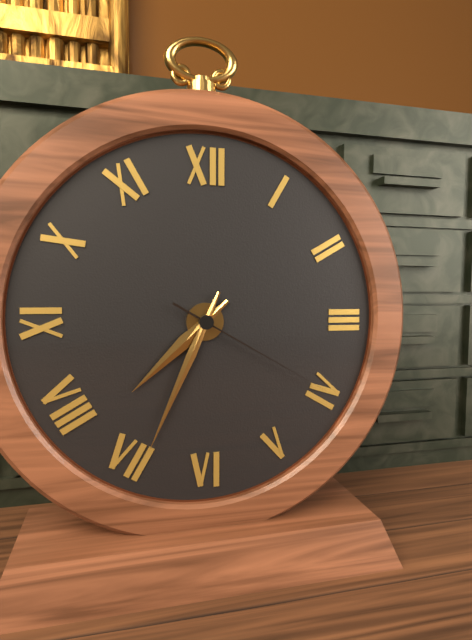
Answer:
**7:34:20**
